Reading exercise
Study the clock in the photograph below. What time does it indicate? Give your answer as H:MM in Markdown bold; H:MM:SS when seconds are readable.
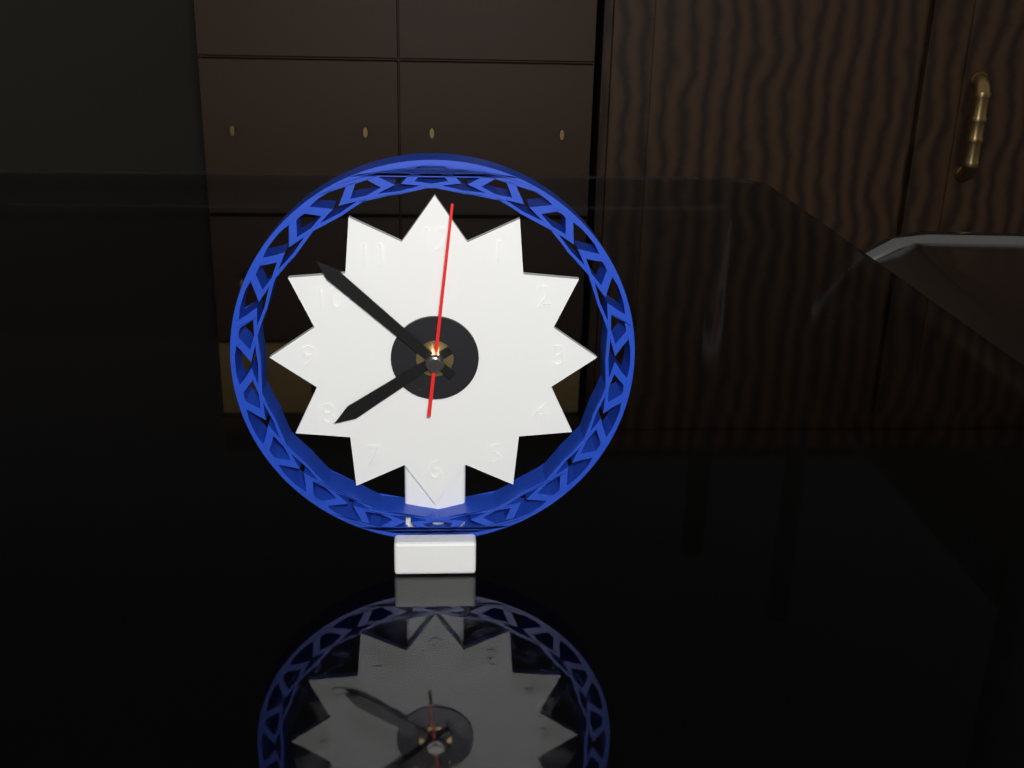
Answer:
**7:52:01**
